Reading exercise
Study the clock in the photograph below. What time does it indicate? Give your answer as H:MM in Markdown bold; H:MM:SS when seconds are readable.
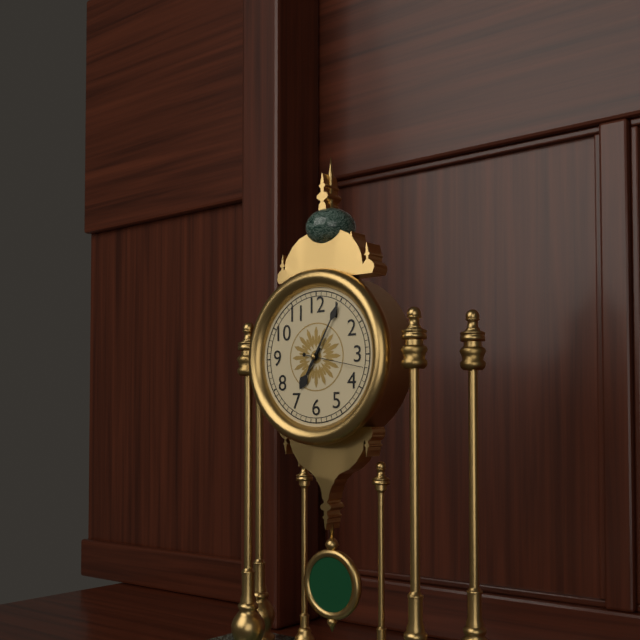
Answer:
**7:05:17**
